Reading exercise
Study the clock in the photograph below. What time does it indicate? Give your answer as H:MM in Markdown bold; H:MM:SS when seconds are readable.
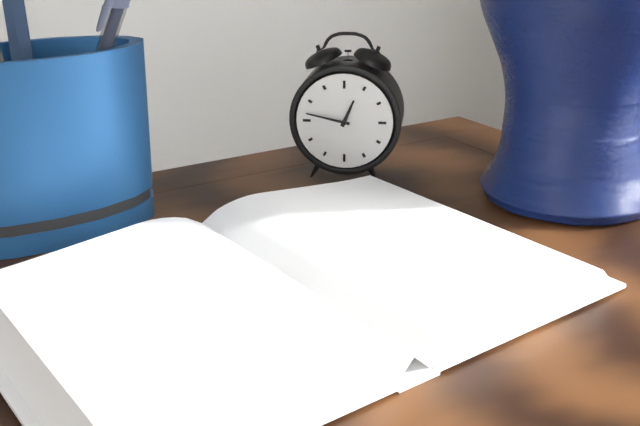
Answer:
**12:47**
